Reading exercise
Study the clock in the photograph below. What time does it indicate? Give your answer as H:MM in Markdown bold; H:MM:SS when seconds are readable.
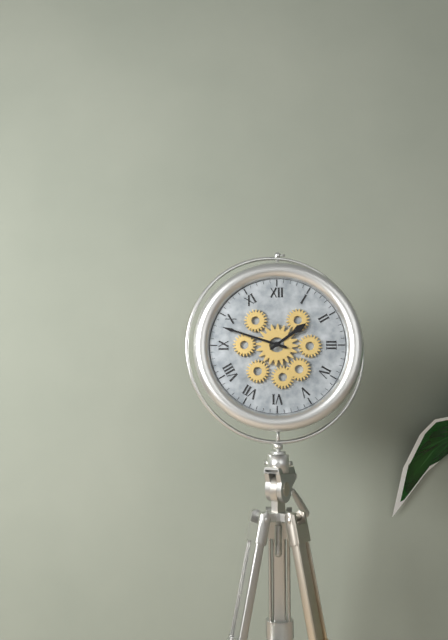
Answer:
**1:48**
